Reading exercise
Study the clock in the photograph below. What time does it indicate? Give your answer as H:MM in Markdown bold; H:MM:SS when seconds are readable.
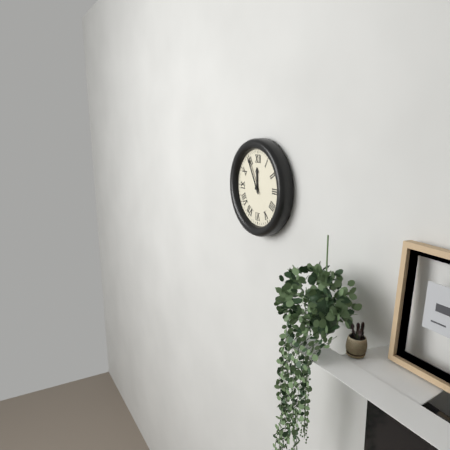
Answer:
**11:55**
